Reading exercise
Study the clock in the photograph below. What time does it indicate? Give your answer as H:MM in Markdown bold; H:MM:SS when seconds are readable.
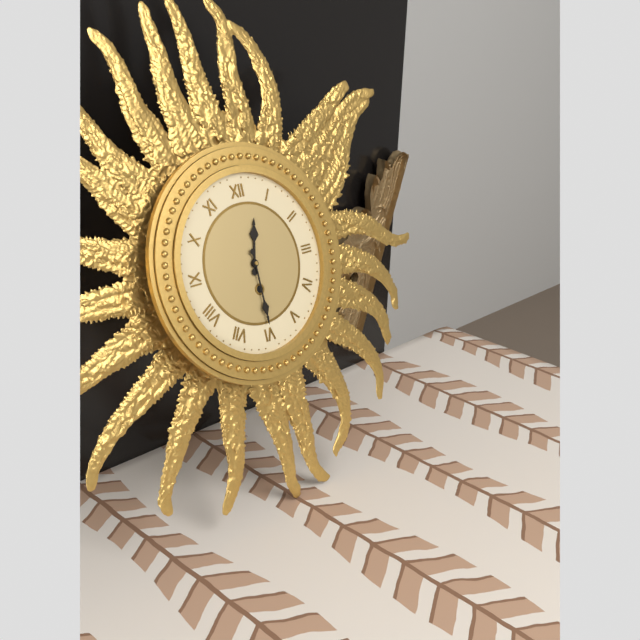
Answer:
**12:30**
